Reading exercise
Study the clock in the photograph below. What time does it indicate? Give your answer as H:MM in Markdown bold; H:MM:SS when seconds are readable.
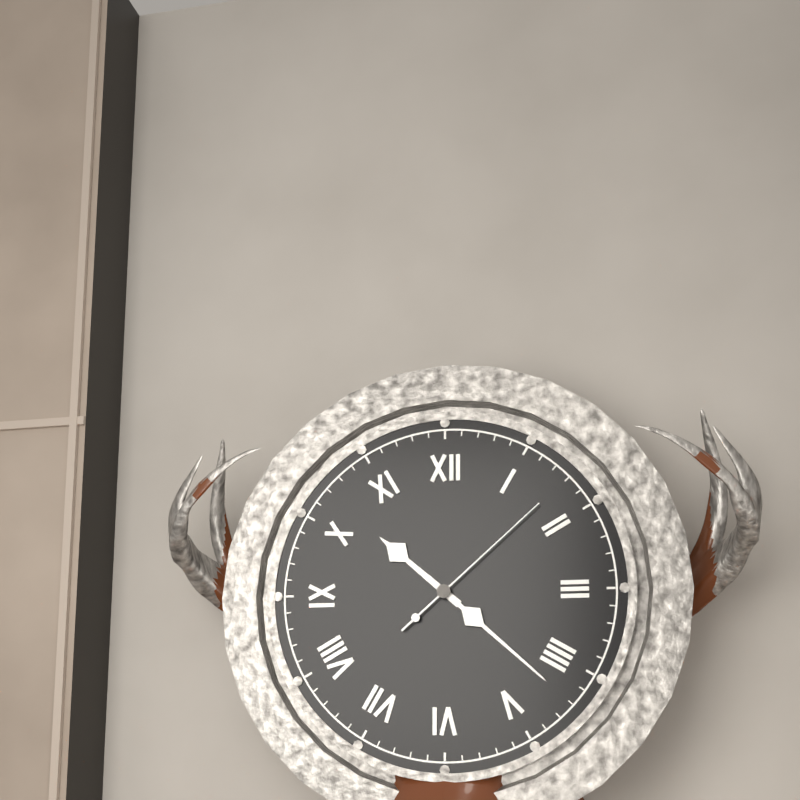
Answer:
**10:22:08**
